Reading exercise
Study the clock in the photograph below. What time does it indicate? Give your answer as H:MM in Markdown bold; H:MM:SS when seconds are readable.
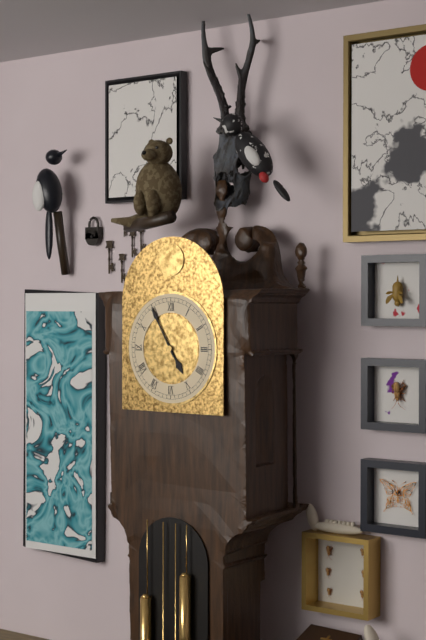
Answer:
**4:55**
